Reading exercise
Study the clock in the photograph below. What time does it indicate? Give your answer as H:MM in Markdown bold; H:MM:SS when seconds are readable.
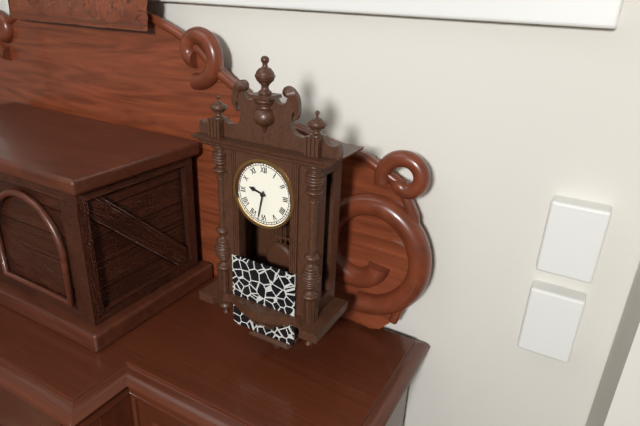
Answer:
**9:32**
